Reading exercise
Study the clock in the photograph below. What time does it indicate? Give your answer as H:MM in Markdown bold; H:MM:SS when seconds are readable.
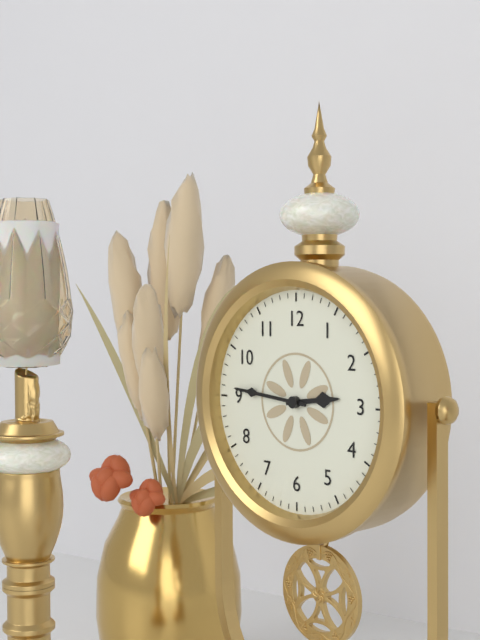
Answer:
**2:46**
